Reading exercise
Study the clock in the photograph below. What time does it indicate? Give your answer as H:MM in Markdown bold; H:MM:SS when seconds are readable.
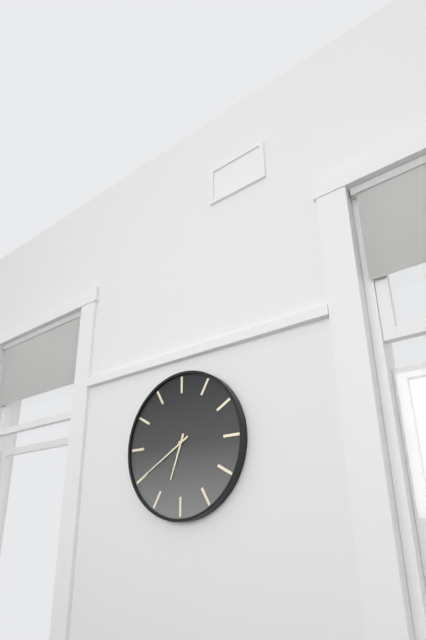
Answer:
**6:40**
